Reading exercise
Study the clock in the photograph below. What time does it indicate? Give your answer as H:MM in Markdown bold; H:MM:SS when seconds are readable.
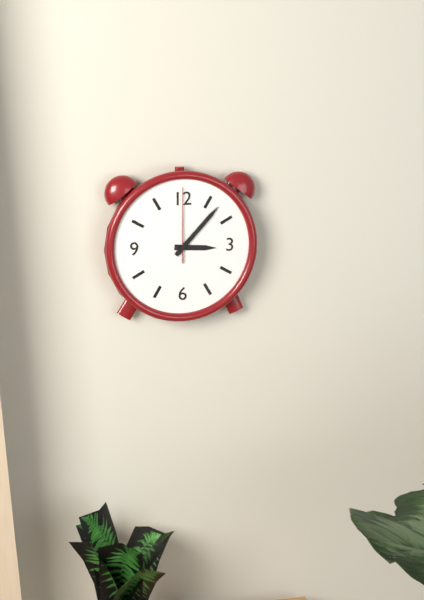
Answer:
**3:07:00**
